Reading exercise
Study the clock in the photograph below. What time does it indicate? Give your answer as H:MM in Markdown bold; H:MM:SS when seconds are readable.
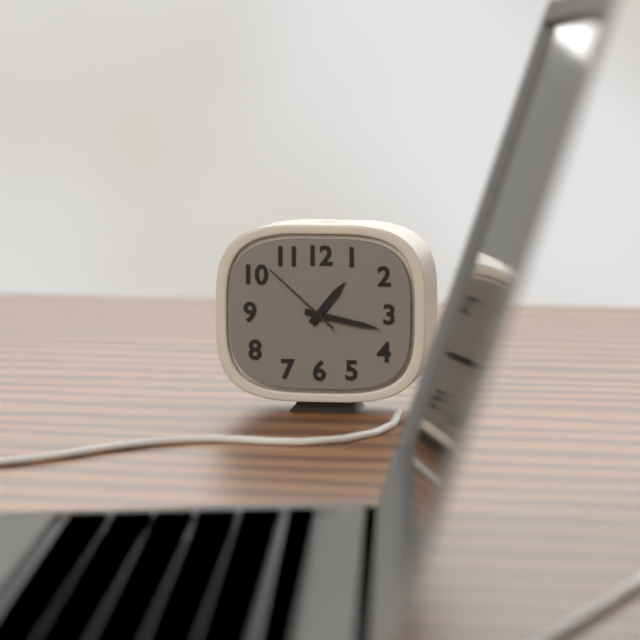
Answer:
**1:17:52**
